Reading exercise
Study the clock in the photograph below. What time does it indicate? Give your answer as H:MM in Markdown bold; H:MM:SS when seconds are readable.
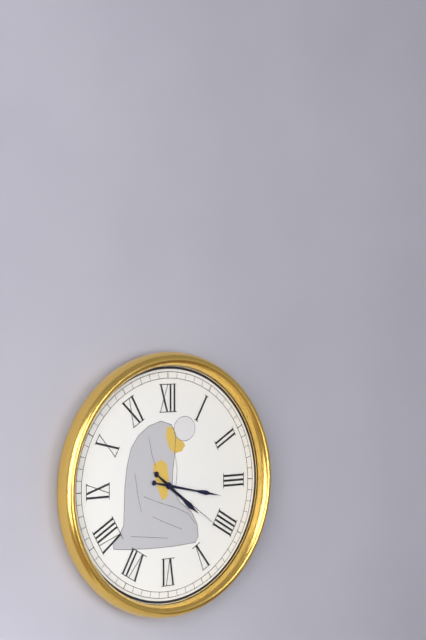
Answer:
**4:17:21**
